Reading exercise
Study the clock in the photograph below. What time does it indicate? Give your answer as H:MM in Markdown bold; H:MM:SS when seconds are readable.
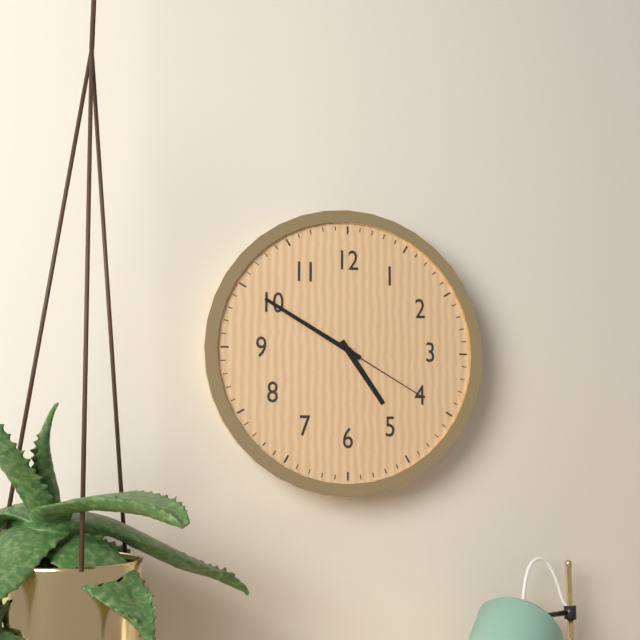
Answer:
**4:50:20**
